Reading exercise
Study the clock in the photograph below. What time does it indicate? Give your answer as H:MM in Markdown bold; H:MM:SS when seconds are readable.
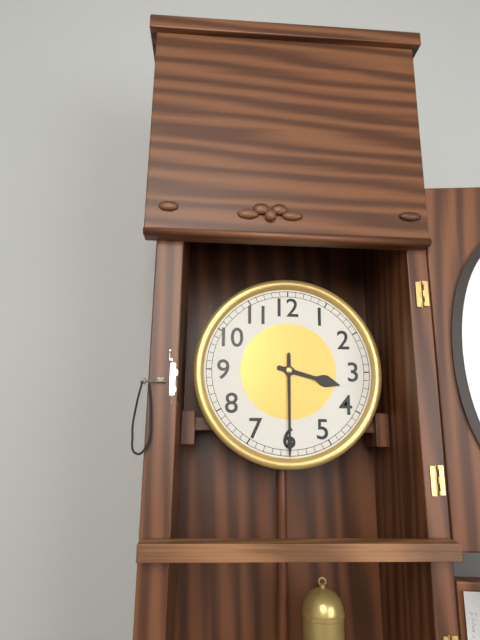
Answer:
**3:30**
